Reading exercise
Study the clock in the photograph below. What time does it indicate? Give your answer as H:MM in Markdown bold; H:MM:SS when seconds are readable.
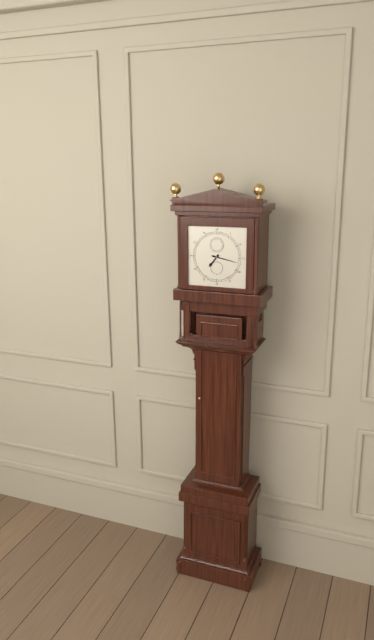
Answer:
**7:17**
